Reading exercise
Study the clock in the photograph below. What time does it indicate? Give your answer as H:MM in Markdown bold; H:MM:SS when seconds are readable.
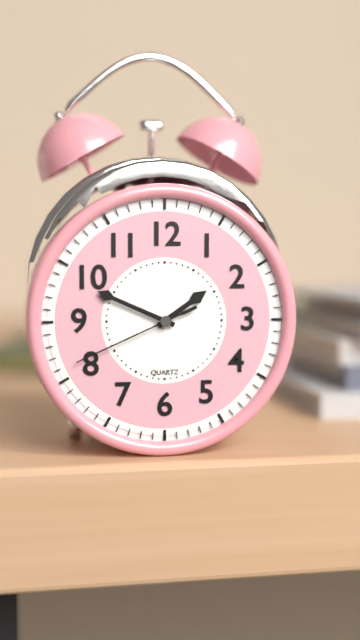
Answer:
**1:49:41**
